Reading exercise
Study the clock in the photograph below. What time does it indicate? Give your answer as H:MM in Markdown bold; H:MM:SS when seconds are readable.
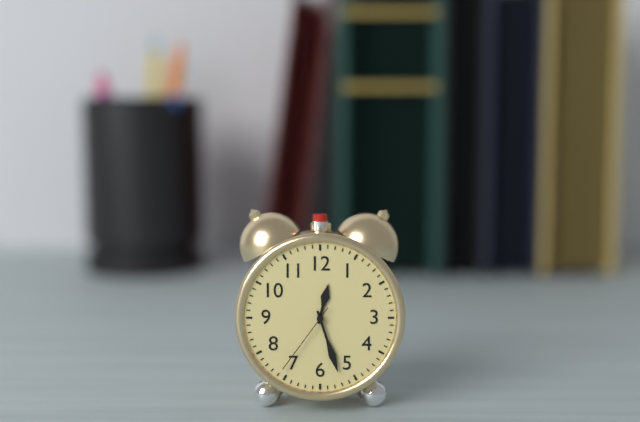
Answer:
**12:27:36**
